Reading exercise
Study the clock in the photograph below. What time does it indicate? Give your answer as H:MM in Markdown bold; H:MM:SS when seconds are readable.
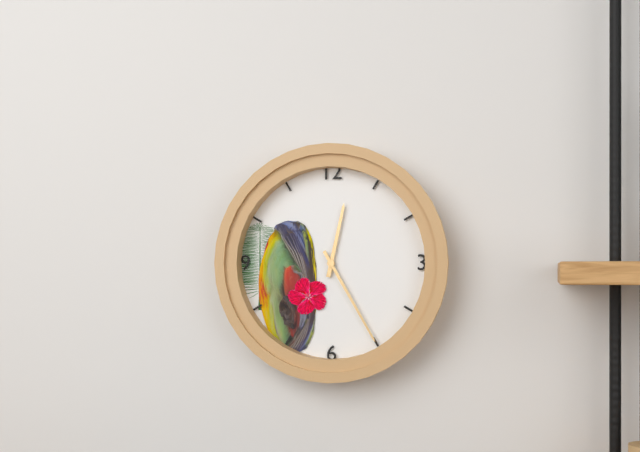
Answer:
**12:25**
